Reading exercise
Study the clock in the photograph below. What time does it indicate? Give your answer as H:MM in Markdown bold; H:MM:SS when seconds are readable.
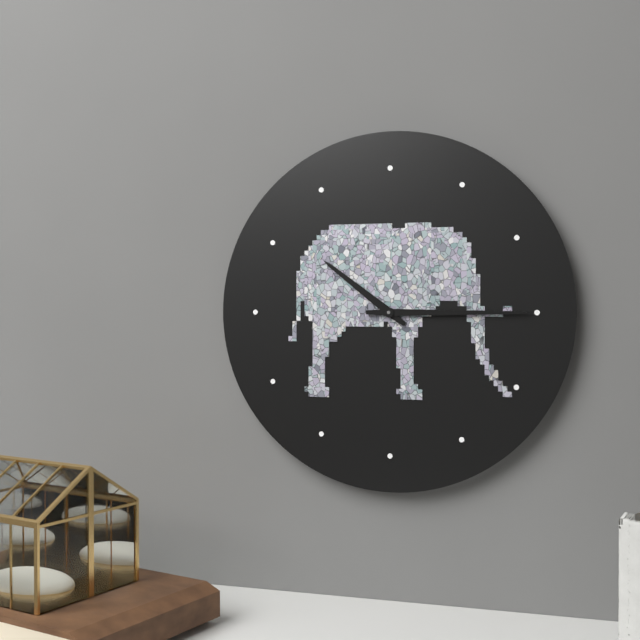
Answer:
**10:15**
